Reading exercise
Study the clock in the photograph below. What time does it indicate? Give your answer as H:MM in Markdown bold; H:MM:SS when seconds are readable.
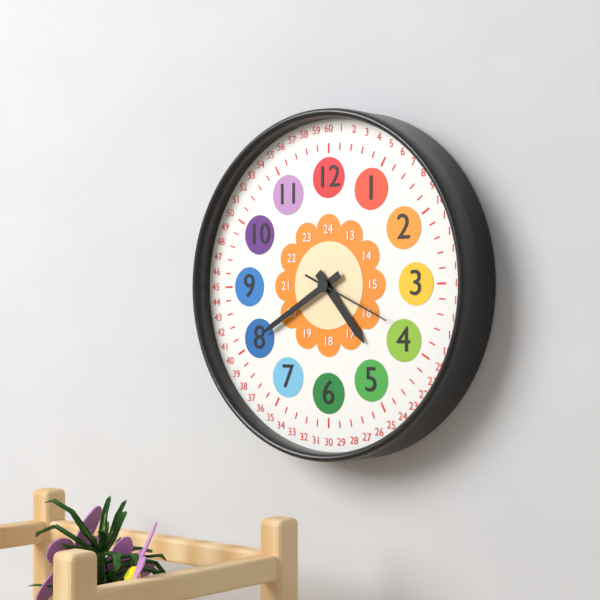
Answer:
**4:40:19**
